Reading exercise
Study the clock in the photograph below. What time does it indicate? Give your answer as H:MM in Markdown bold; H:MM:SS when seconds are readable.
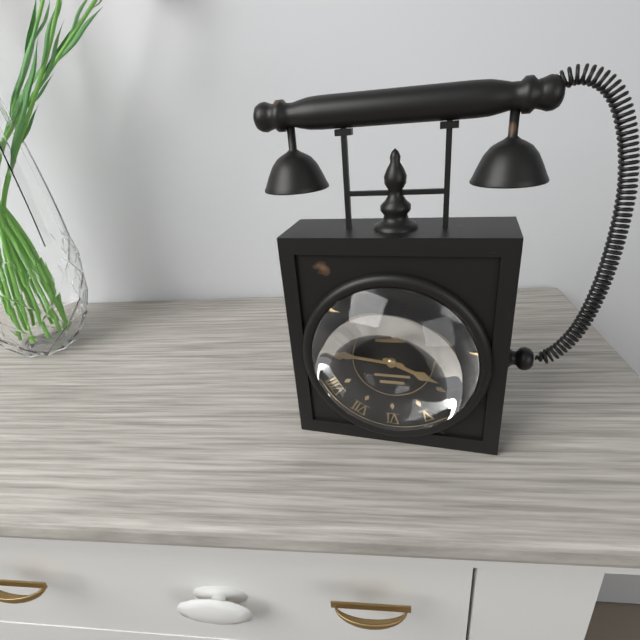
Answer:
**3:46**
